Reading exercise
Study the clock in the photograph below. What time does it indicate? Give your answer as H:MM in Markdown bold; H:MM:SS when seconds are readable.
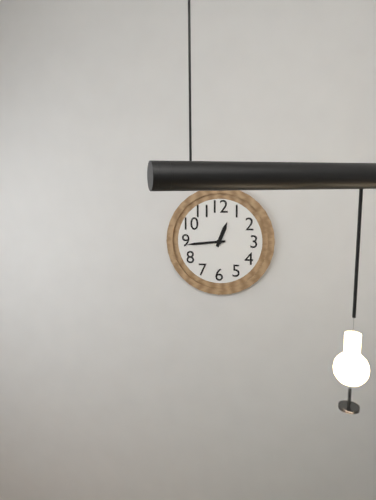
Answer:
**12:44**
